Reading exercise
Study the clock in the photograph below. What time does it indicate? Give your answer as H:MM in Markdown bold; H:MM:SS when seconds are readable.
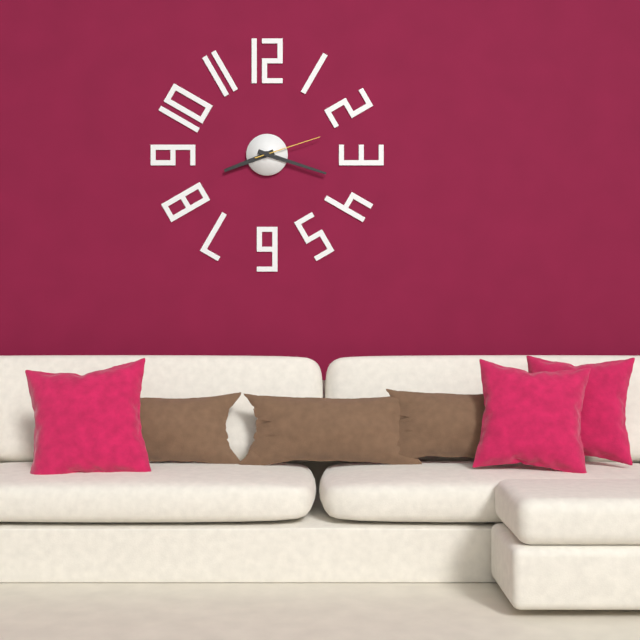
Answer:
**8:18:12**
